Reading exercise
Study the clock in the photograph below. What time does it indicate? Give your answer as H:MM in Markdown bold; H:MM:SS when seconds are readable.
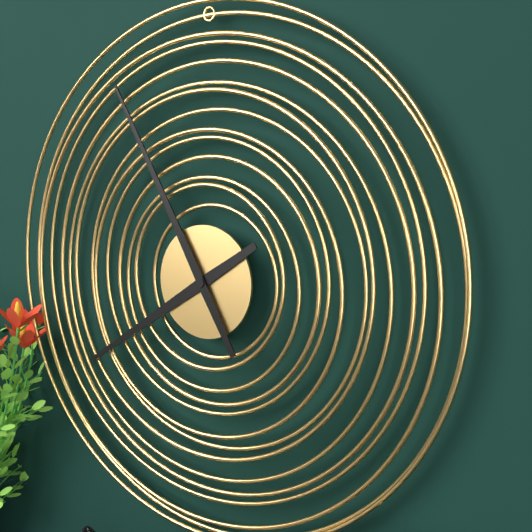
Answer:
**7:55**
